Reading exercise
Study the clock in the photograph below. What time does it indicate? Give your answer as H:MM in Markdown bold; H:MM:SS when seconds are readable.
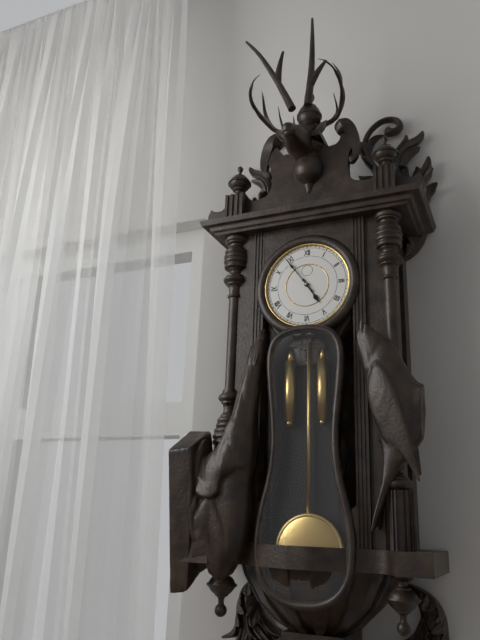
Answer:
**4:54**
